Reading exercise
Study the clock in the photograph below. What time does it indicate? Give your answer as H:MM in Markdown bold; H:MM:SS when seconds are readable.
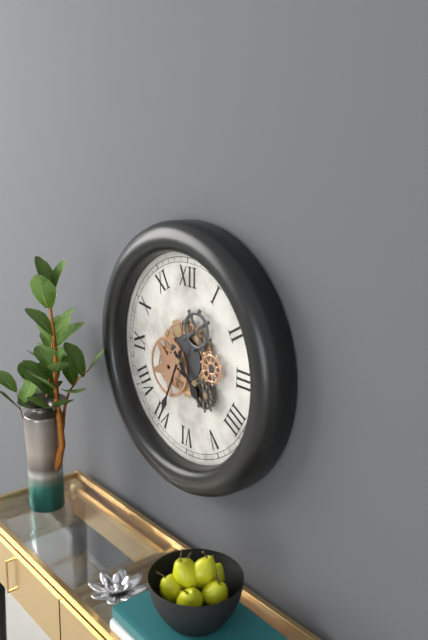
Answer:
**4:34**
